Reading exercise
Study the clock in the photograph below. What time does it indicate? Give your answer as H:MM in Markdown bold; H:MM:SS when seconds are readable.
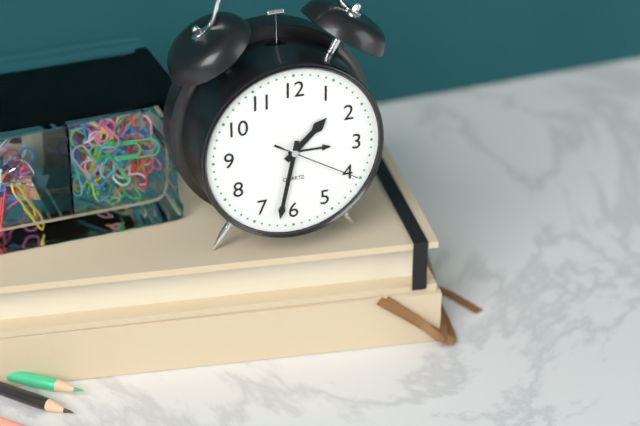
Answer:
**1:32:20**
